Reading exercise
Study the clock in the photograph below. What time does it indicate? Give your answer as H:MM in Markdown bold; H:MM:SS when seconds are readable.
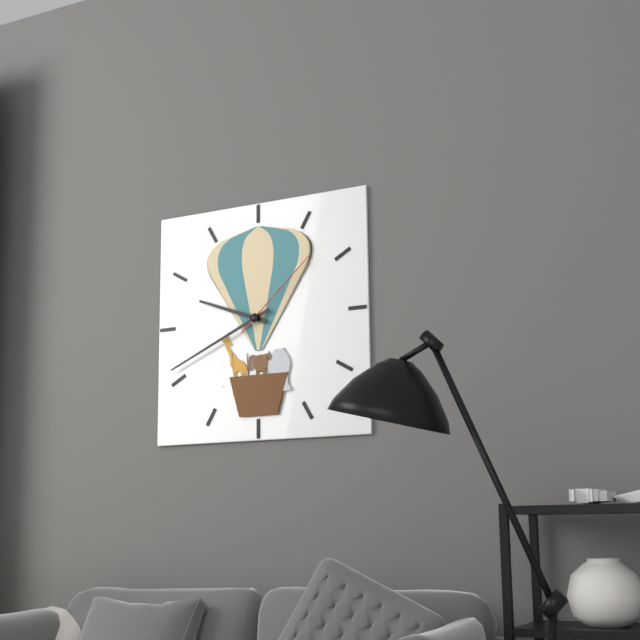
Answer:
**9:41:08**
